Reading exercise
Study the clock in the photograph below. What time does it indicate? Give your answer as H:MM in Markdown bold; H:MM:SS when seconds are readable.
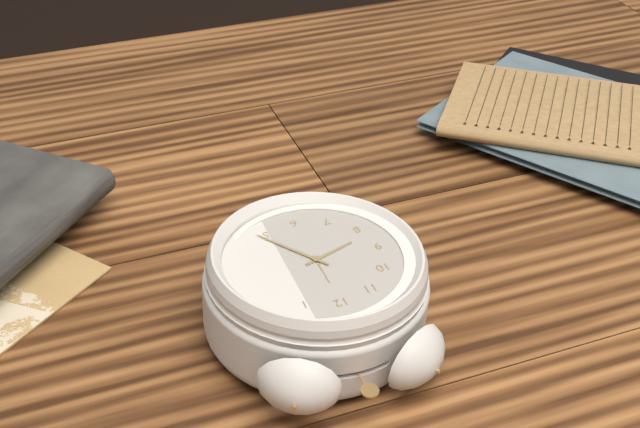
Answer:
**8:24**
